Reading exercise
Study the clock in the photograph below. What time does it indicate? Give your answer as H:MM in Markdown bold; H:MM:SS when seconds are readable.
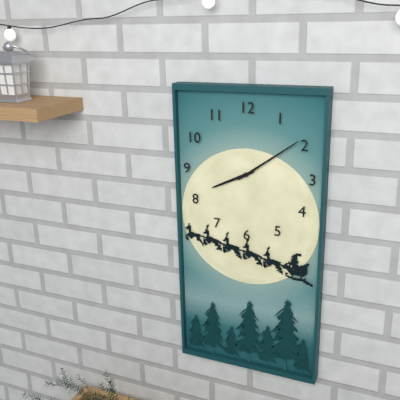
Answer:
**8:09**
